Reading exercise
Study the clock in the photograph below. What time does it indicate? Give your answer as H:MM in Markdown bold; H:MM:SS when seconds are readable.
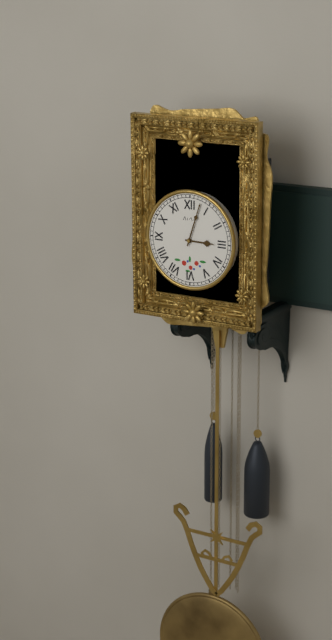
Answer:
**3:03**
